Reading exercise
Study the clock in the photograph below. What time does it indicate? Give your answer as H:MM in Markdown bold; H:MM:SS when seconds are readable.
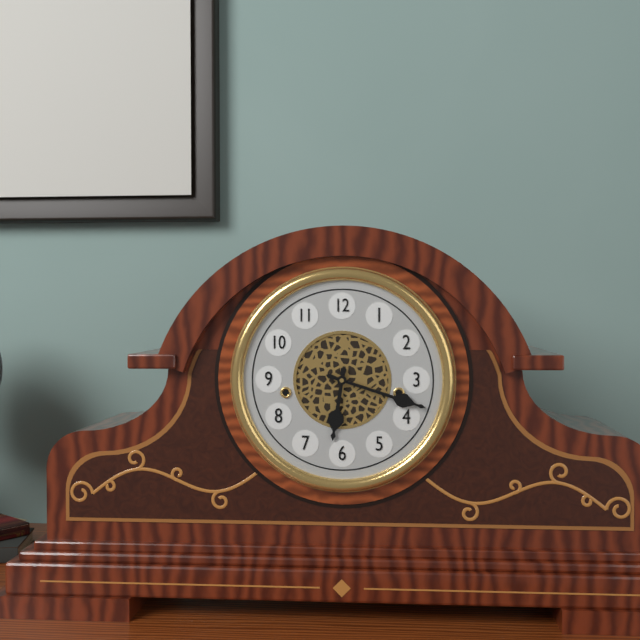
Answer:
**6:18**
